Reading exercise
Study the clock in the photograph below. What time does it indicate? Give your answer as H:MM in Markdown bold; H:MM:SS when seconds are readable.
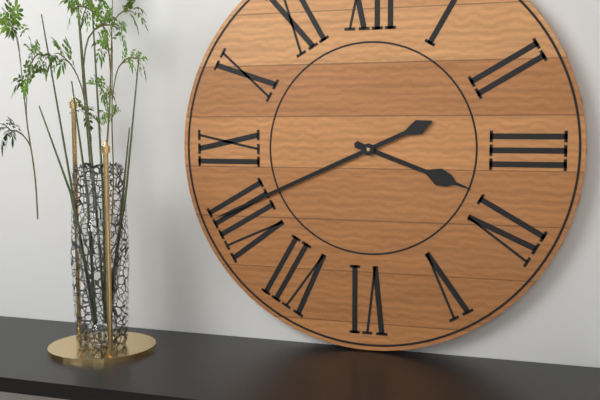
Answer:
**3:41**
